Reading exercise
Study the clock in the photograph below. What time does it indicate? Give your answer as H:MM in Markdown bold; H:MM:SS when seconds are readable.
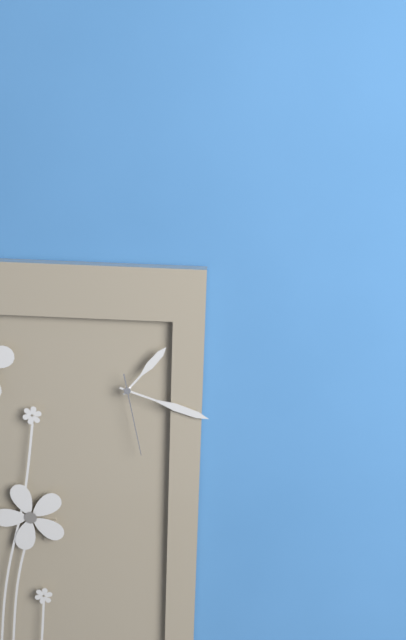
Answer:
**1:18:28**
